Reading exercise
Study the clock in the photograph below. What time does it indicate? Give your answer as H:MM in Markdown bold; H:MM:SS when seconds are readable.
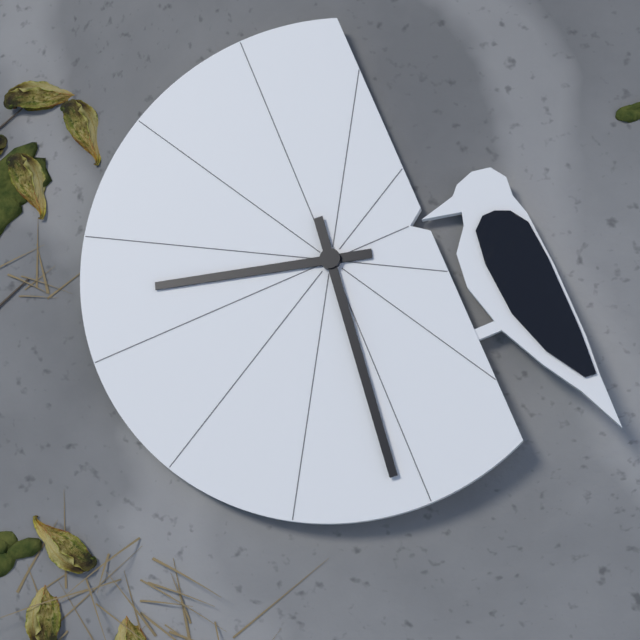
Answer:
**9:31**
